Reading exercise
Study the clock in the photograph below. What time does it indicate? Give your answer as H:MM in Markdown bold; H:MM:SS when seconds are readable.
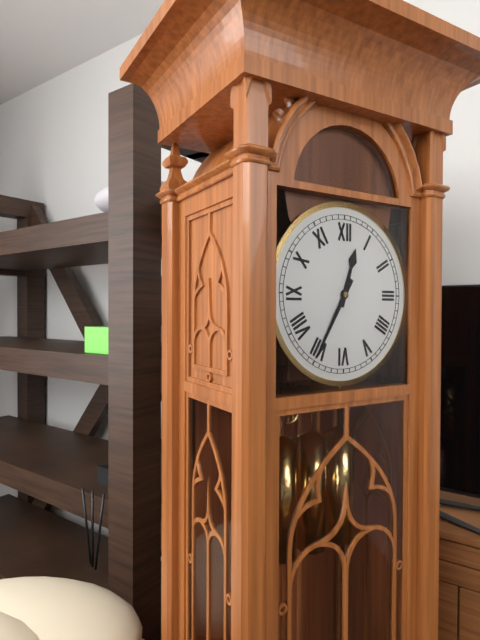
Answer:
**12:35**
